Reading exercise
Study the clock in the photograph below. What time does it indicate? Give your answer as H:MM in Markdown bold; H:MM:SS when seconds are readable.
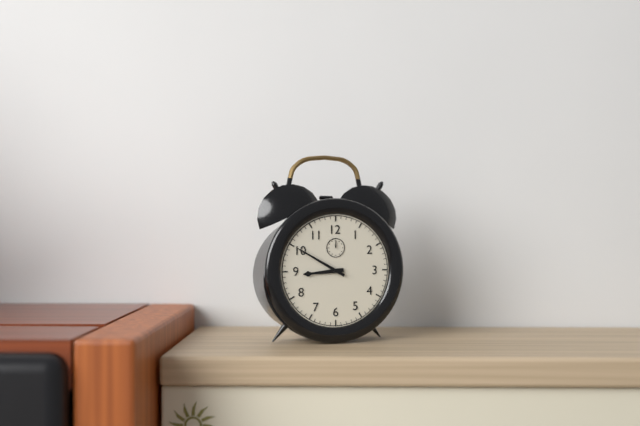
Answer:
**8:50**
